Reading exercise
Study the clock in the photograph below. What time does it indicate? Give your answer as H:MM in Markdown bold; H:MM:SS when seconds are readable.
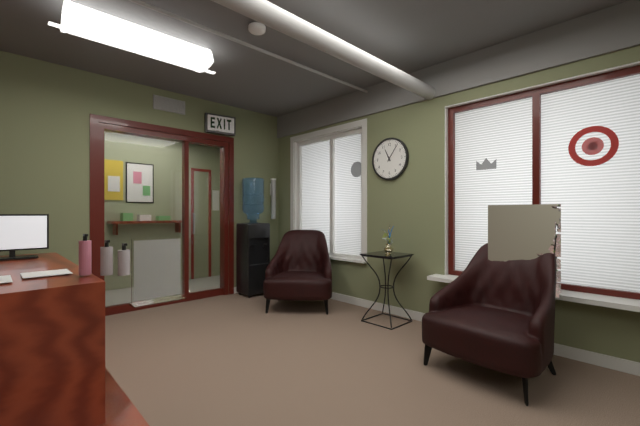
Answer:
**11:06**
